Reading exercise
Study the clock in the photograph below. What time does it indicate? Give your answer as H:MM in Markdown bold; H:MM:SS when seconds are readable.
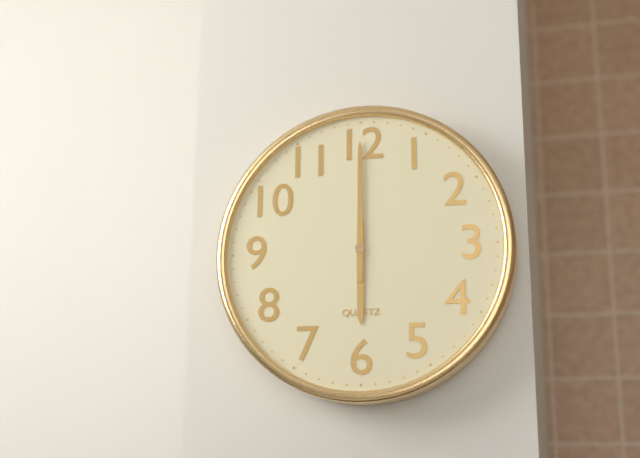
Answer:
**6:00**
